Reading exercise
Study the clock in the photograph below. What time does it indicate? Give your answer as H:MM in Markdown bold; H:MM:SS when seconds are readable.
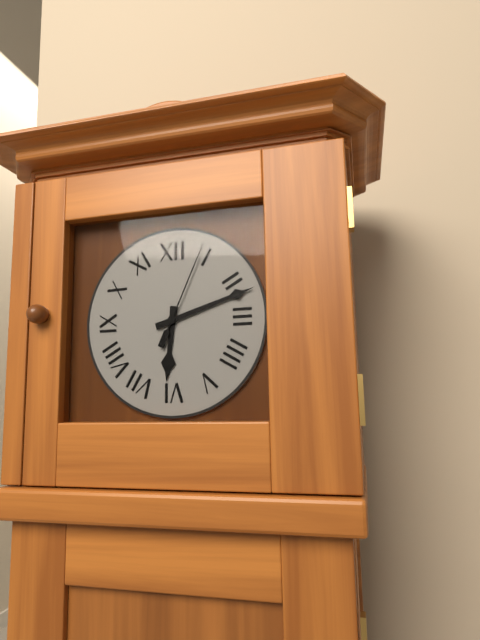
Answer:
**6:12:04**
